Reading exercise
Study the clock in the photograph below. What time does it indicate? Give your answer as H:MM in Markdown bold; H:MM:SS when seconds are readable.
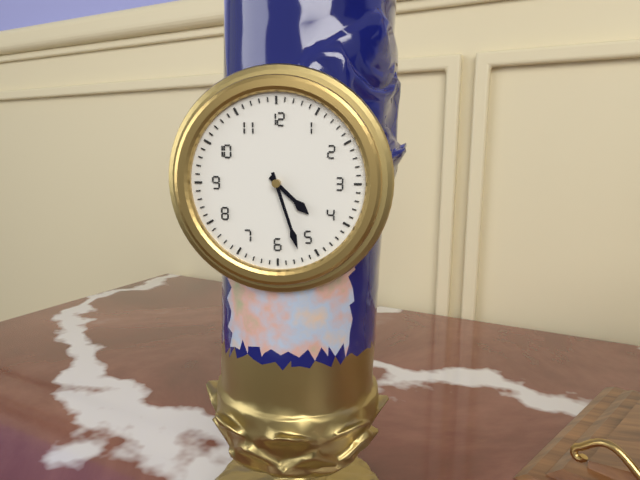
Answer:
**4:27**
